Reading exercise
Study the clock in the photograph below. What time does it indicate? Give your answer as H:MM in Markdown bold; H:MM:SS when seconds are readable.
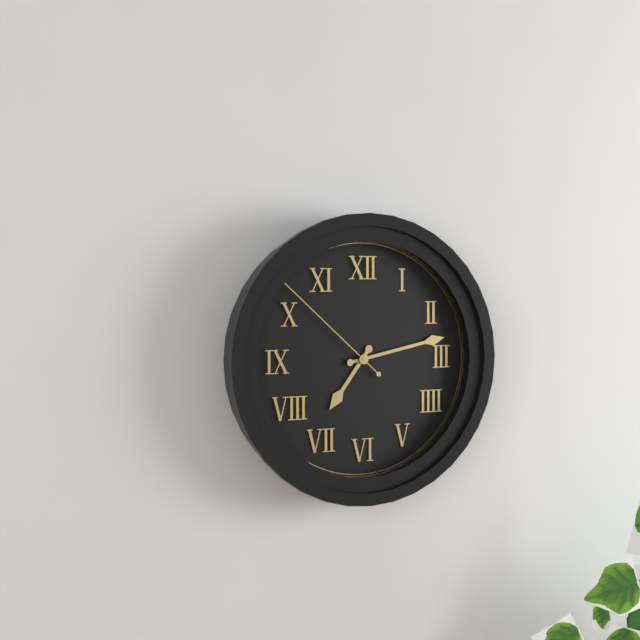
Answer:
**7:13:52**
